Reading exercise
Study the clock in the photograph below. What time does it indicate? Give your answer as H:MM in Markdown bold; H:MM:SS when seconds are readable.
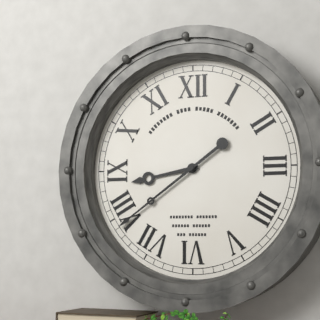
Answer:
**8:39**
